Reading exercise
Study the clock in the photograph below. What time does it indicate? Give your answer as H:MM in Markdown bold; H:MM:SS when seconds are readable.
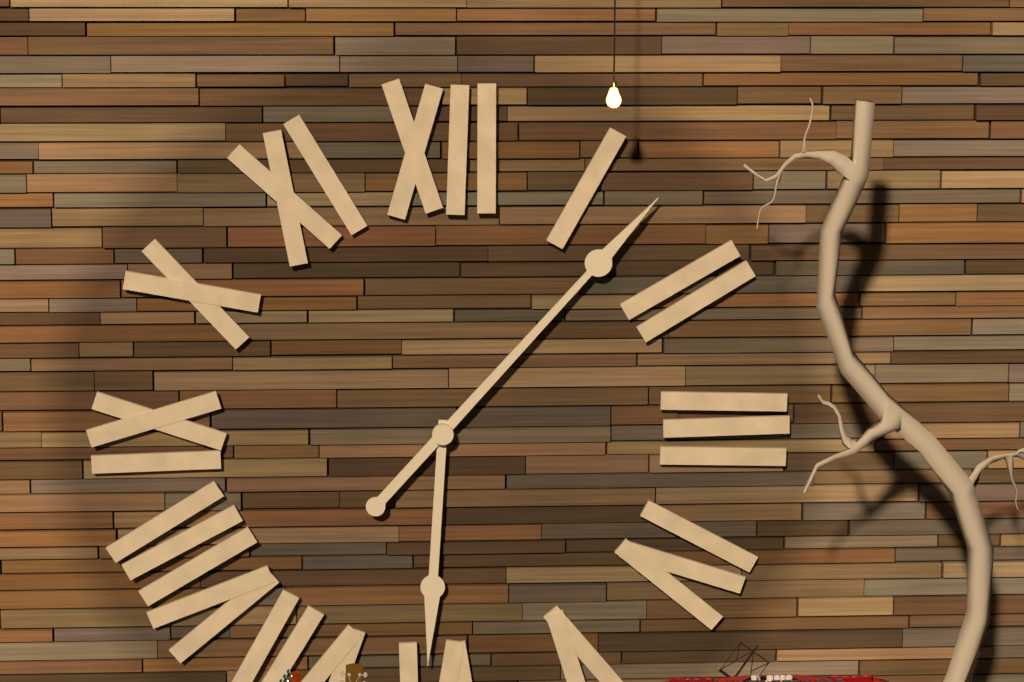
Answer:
**6:07**
